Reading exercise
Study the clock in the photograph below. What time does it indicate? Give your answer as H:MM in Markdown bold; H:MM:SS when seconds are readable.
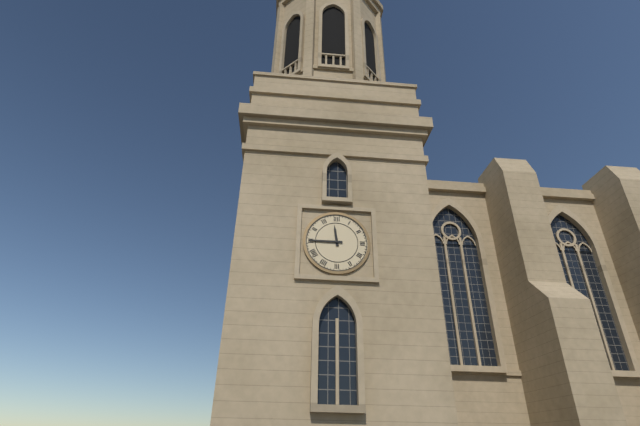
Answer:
**11:45**
